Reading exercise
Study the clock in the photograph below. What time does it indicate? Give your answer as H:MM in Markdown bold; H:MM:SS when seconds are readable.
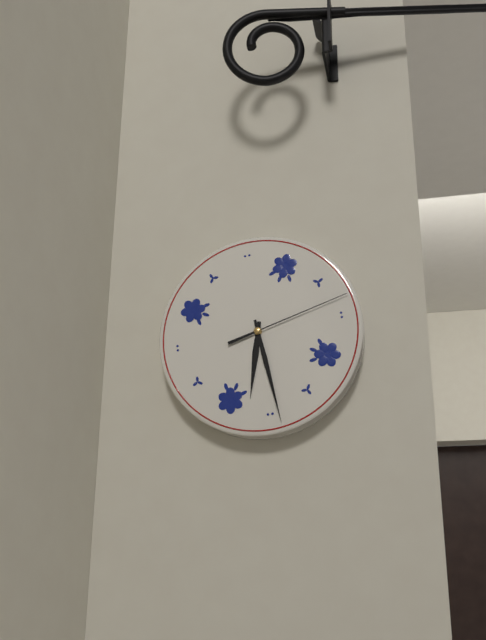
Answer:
**6:29:13**
